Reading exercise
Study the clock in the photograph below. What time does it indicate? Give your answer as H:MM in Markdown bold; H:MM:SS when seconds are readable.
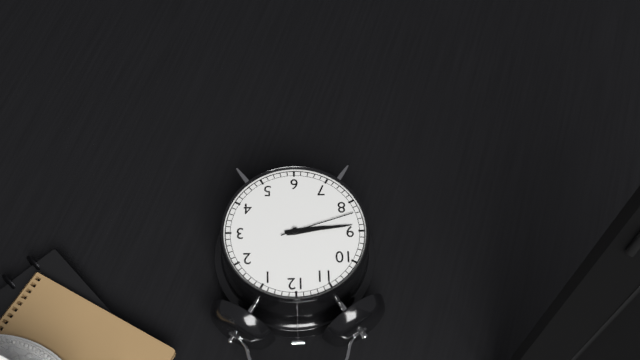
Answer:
**8:44:42**
